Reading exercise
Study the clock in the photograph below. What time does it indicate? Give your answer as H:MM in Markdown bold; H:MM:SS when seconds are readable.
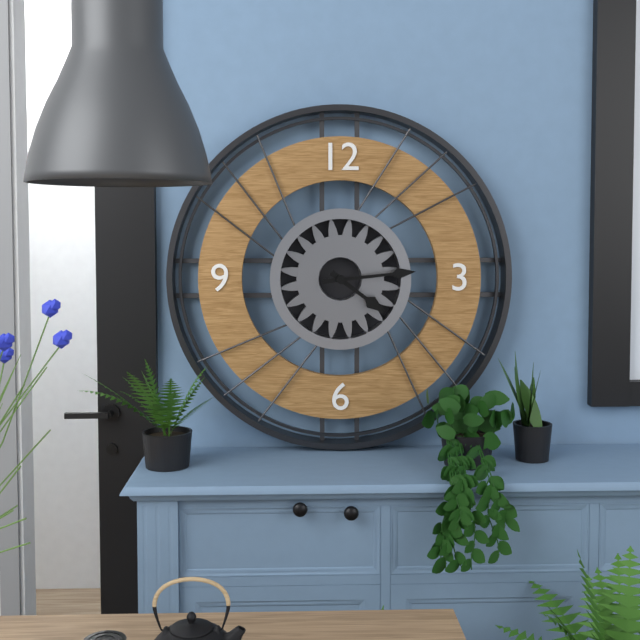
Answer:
**4:14**
